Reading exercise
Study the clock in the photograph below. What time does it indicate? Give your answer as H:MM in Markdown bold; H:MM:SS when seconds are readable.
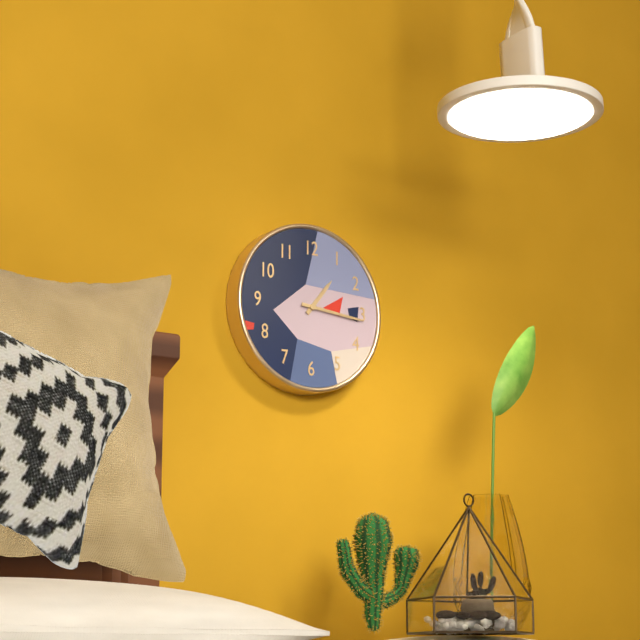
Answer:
**1:16**
